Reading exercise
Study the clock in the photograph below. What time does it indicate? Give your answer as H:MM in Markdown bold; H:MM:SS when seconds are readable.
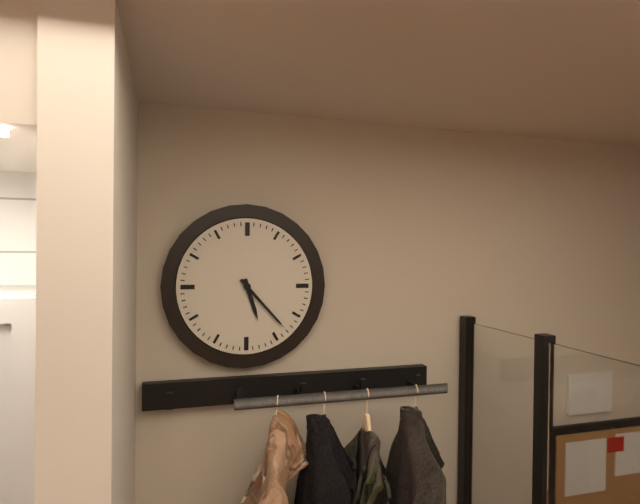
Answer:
**5:23**
